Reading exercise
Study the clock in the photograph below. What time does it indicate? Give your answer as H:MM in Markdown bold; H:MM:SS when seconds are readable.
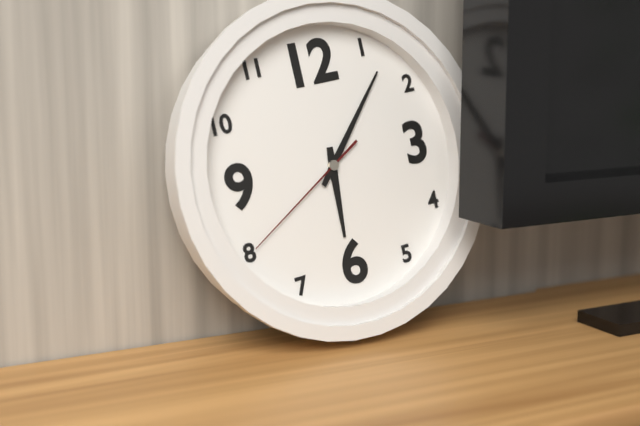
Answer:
**6:07:40**
